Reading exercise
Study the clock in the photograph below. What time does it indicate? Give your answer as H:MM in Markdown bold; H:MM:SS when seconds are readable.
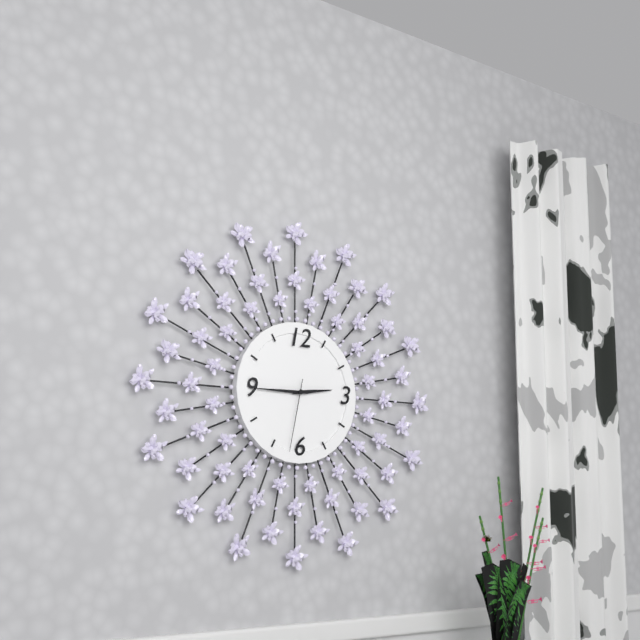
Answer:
**2:45:32**
